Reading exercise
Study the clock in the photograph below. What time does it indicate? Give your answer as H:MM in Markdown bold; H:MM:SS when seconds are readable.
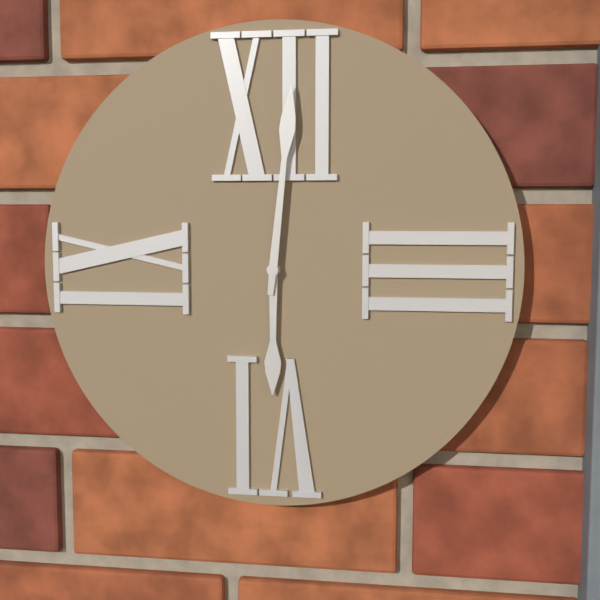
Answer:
**6:01**
